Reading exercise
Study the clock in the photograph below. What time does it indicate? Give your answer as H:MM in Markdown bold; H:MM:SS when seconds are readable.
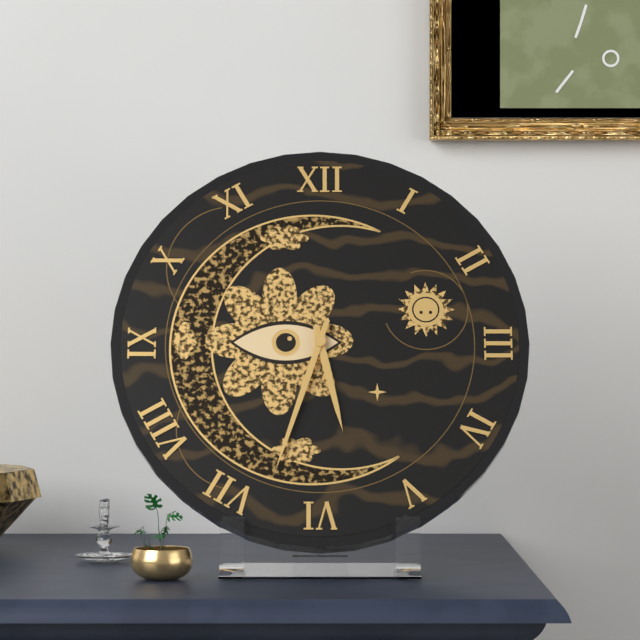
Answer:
**5:33**
